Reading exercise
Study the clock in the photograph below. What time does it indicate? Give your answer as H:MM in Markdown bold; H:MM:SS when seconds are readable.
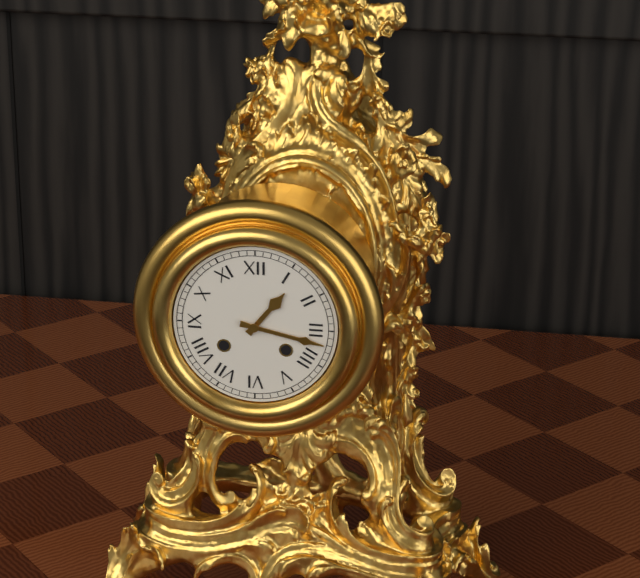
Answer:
**1:17**
